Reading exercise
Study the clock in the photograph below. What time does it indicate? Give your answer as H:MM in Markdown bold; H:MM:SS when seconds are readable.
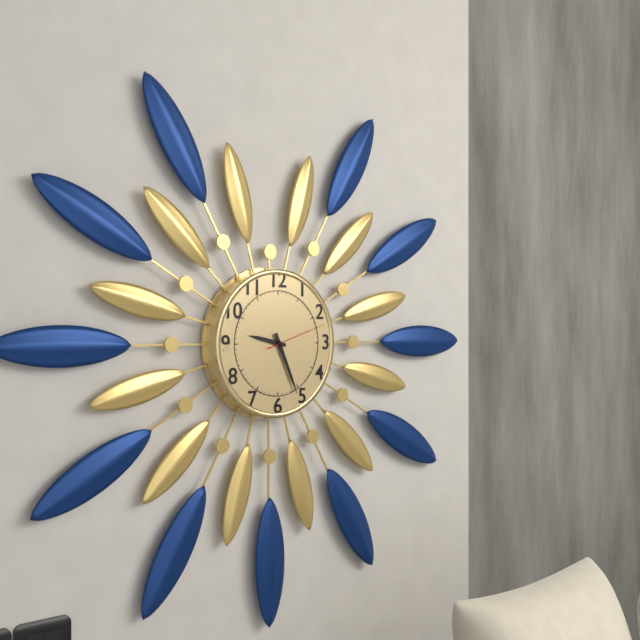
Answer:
**9:26:12**
